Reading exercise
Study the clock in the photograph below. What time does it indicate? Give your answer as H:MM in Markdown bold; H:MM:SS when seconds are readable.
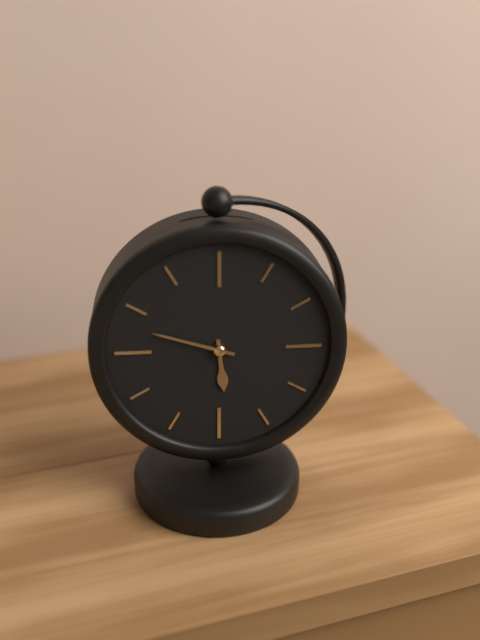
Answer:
**5:48**
